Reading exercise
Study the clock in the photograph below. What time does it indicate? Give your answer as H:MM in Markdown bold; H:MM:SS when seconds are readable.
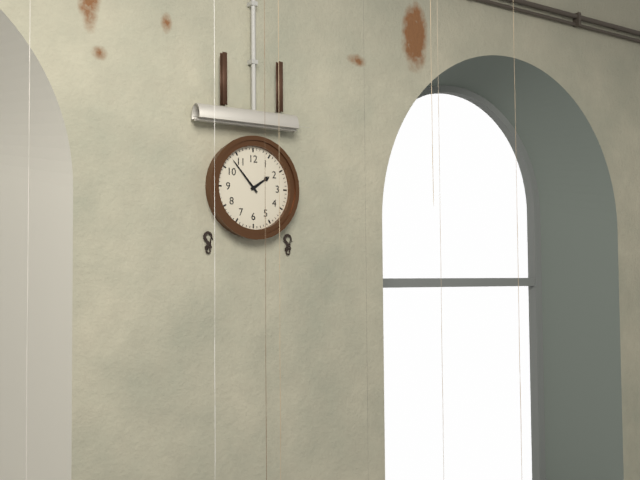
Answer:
**1:53**
